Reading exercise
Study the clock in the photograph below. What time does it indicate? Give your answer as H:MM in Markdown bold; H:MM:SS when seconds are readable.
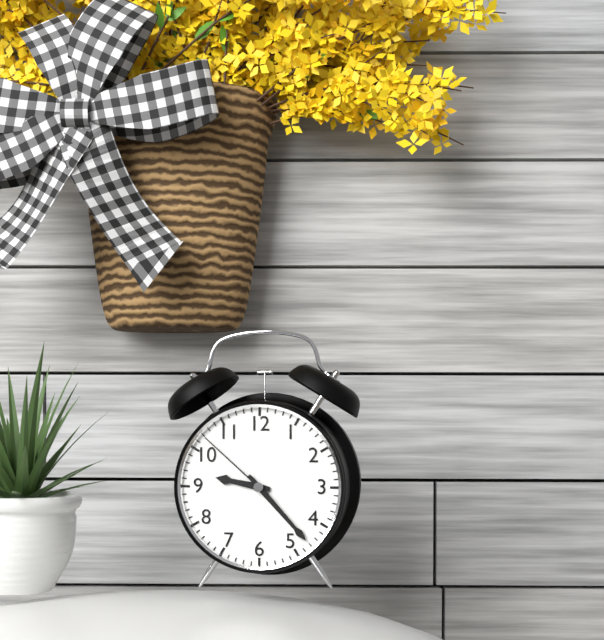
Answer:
**9:23:52**
